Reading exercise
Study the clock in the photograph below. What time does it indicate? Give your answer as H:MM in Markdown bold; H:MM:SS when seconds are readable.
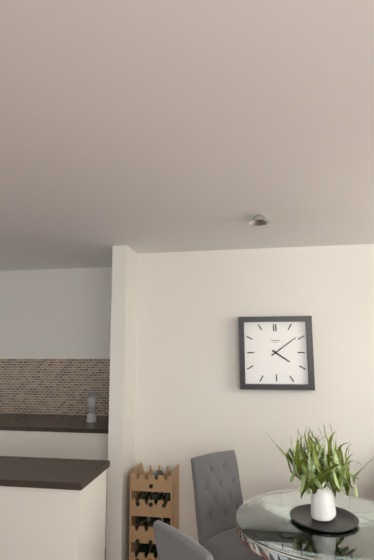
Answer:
**4:09**
